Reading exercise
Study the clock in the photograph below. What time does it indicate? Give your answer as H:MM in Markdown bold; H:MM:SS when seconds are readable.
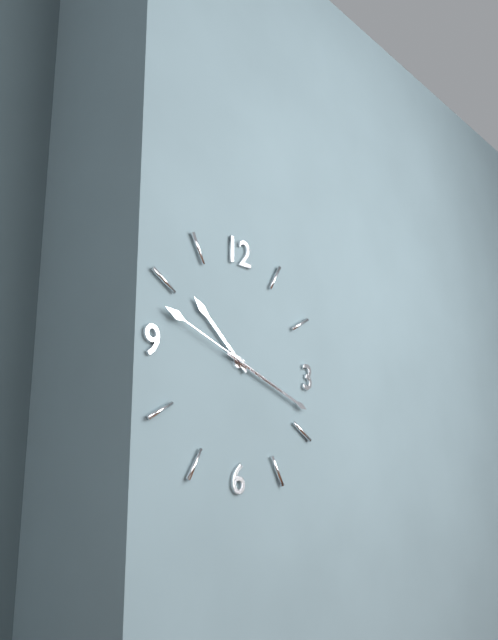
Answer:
**10:18:48**
